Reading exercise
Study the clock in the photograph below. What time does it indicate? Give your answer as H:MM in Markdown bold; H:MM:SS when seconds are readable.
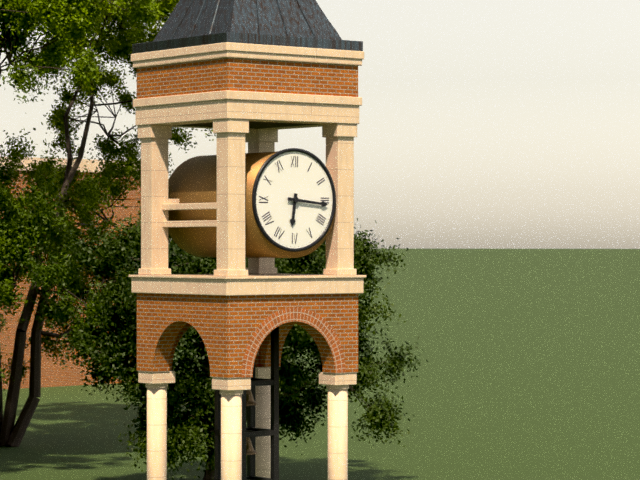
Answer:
**6:16**
